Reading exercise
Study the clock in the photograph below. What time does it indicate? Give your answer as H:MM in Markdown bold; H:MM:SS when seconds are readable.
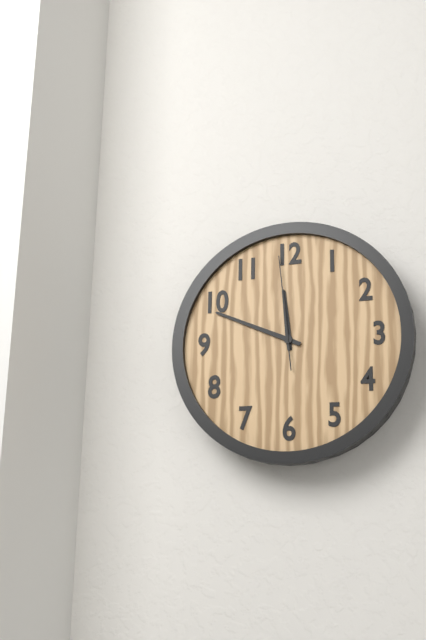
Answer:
**11:49:59**
